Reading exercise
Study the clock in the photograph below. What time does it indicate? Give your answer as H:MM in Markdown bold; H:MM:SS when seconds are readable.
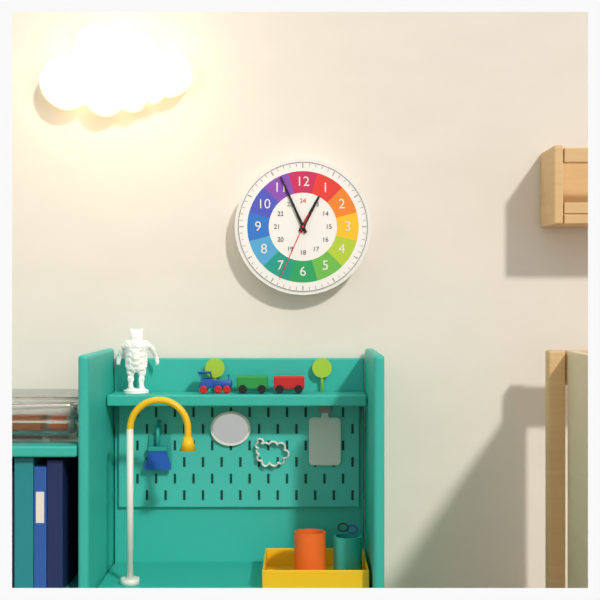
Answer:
**12:56:34**
